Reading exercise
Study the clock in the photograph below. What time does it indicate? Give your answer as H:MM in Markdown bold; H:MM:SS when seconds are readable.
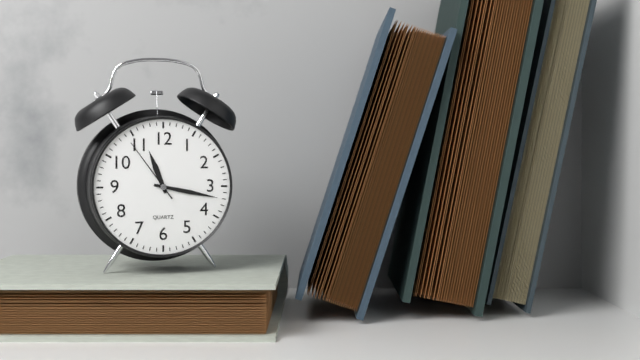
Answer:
**11:17:54**
